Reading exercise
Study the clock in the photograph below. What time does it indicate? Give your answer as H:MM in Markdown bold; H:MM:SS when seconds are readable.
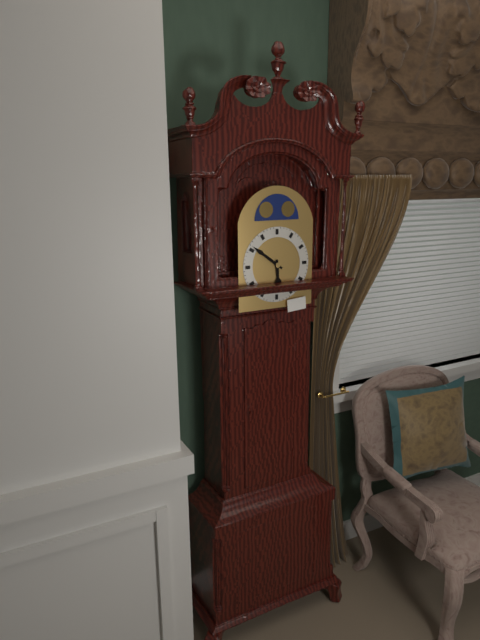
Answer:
**5:51**
